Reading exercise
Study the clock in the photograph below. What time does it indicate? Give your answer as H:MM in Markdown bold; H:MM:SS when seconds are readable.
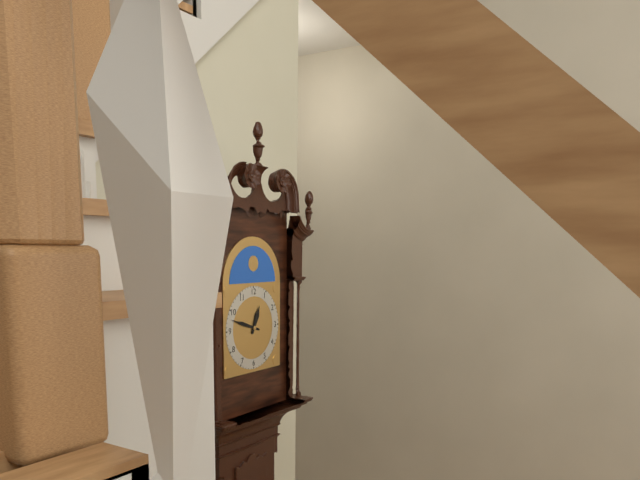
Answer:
**12:48**
